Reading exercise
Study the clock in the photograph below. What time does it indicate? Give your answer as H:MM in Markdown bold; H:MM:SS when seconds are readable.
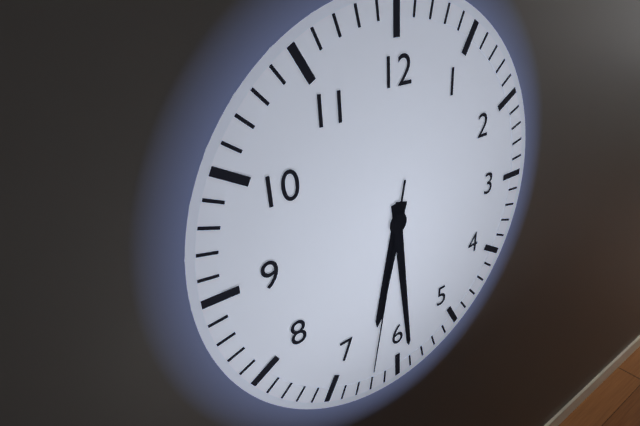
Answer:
**6:29:32**
